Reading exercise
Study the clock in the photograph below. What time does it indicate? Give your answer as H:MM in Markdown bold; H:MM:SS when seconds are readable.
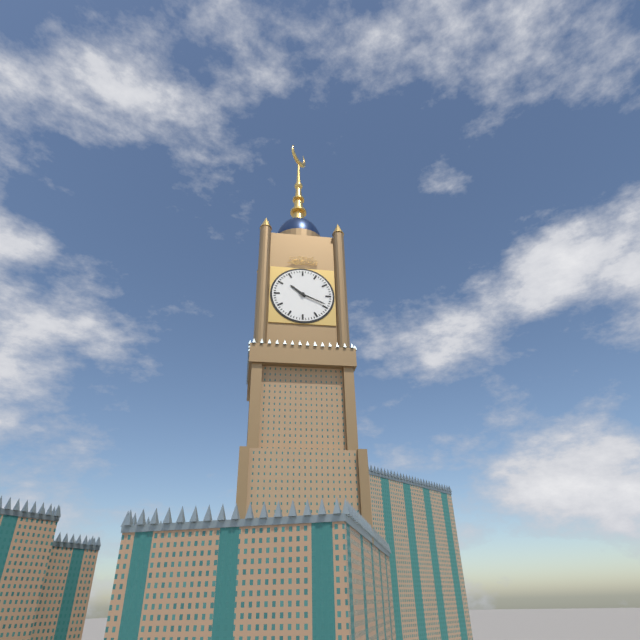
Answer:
**10:19**
